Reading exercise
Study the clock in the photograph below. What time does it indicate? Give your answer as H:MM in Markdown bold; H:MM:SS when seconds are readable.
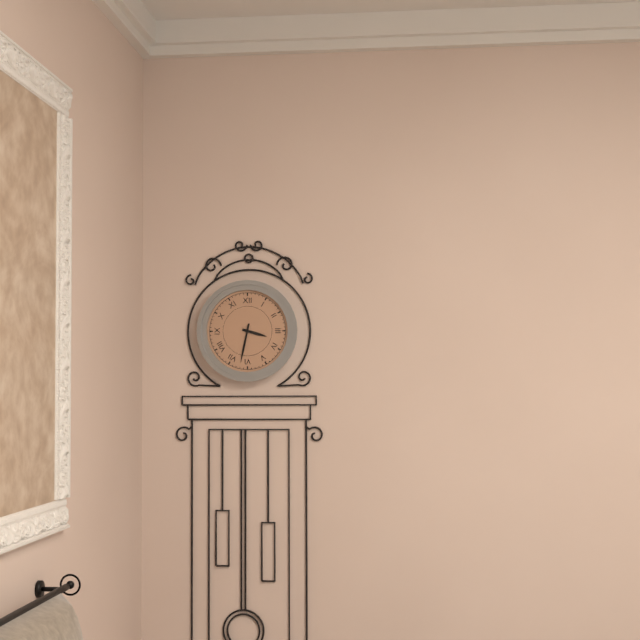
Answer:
**3:32**
